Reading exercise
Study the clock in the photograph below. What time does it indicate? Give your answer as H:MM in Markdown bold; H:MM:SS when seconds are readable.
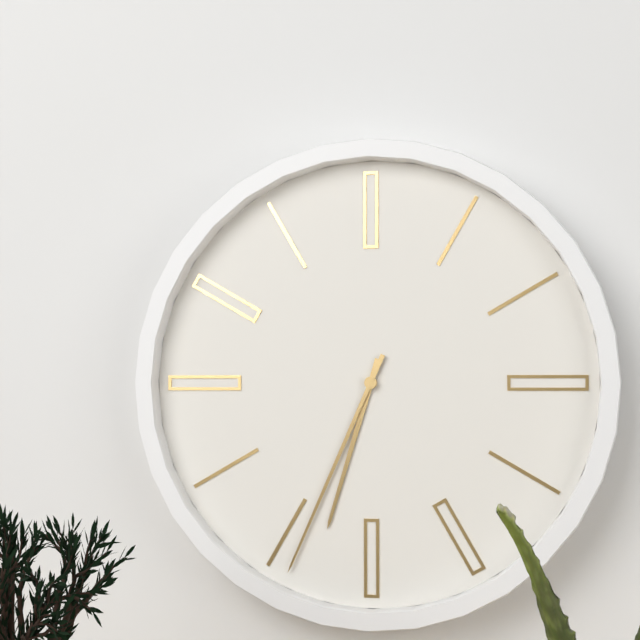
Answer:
**6:34**
